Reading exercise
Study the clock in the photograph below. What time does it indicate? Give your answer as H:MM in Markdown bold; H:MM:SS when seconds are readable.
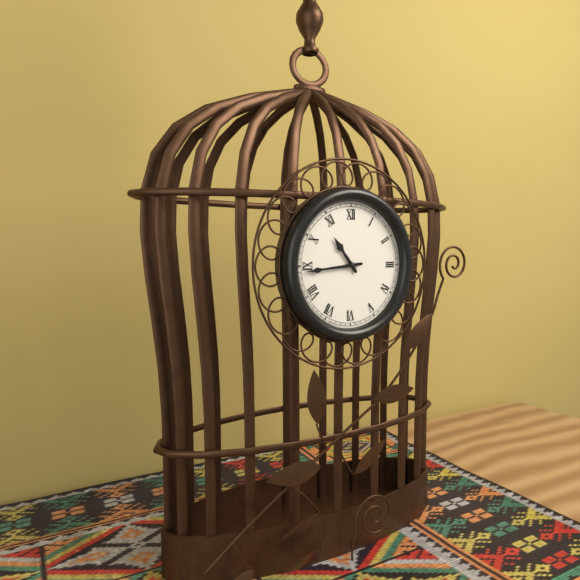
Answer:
**10:44**
